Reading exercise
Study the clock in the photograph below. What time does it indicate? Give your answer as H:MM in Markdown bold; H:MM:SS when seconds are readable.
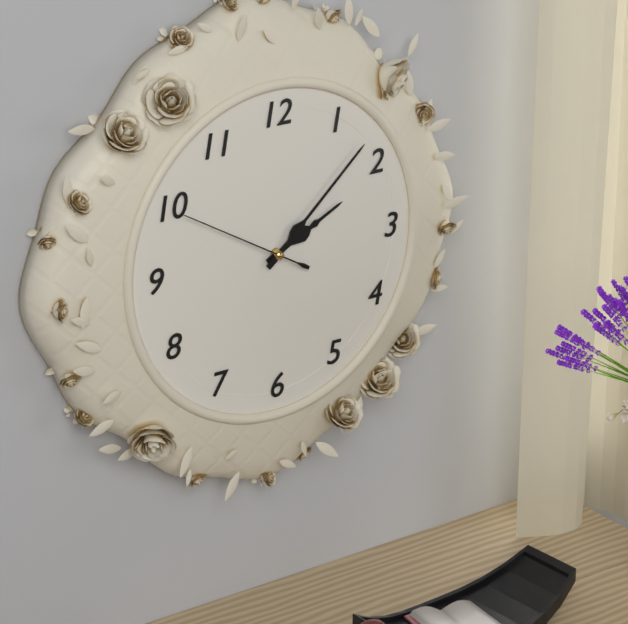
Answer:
**2:08:50**
